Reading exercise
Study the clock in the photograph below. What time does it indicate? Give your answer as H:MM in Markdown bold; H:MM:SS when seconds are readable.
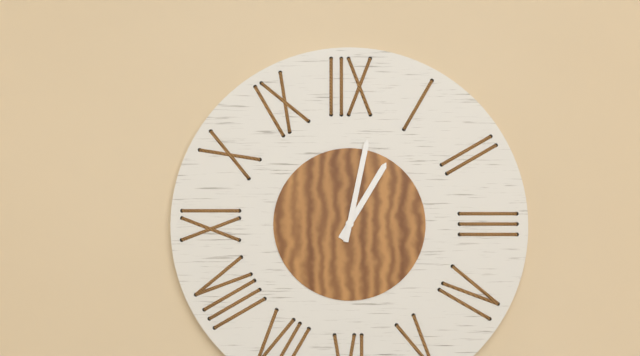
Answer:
**1:02**
